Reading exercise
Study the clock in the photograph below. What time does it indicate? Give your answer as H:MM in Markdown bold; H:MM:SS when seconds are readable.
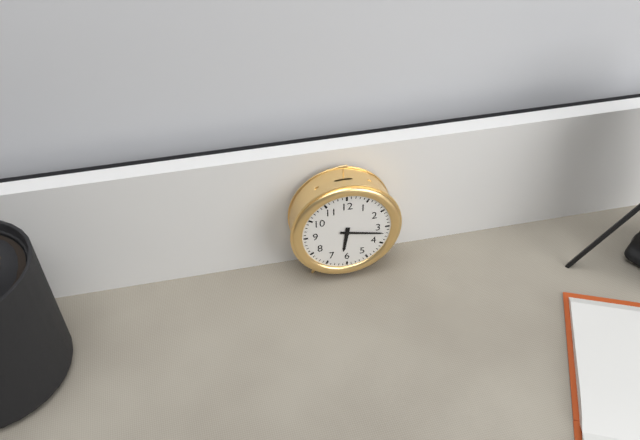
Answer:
**6:17**
